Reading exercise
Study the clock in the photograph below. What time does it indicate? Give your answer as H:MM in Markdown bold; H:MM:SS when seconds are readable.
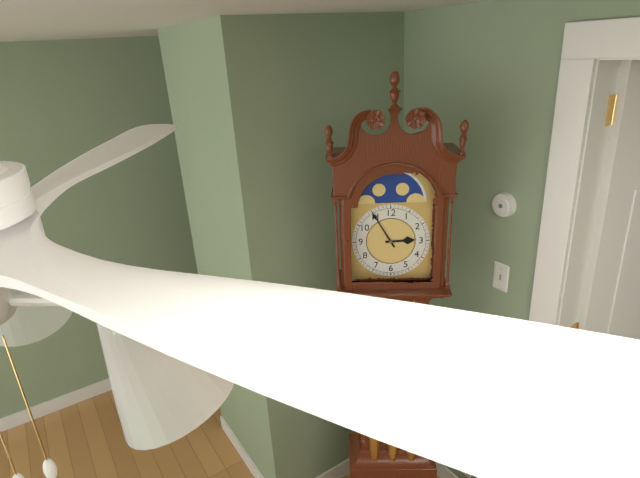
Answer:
**2:55**
